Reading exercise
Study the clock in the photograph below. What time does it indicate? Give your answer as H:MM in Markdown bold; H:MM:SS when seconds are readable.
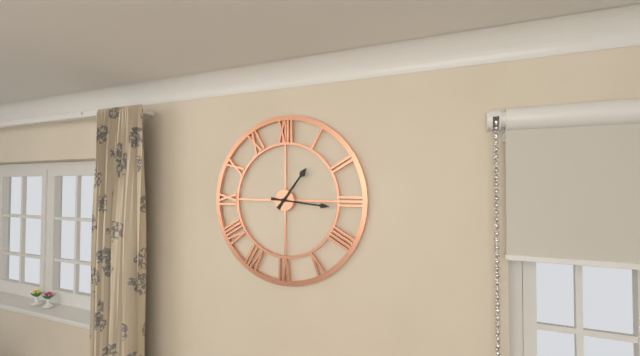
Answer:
**1:16**
